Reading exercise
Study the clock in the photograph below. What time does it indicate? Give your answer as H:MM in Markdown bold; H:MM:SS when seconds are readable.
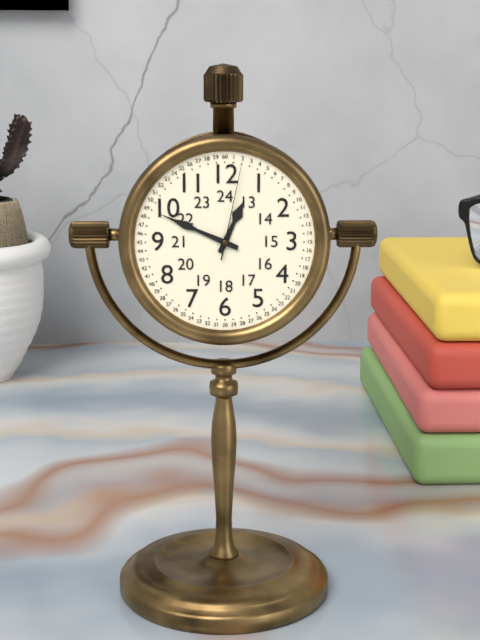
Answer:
**12:49:02**
